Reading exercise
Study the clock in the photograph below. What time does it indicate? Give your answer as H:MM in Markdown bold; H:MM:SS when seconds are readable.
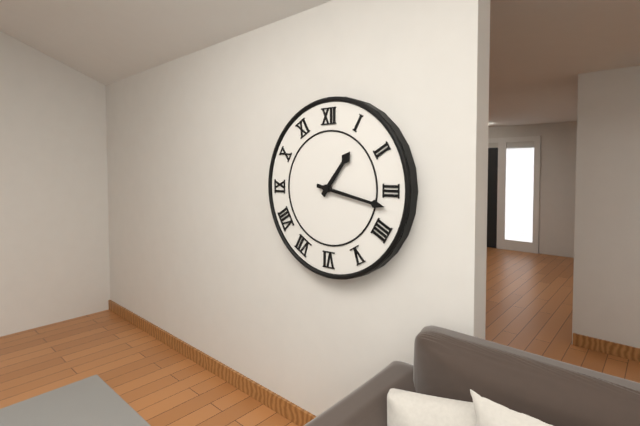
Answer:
**1:17**
